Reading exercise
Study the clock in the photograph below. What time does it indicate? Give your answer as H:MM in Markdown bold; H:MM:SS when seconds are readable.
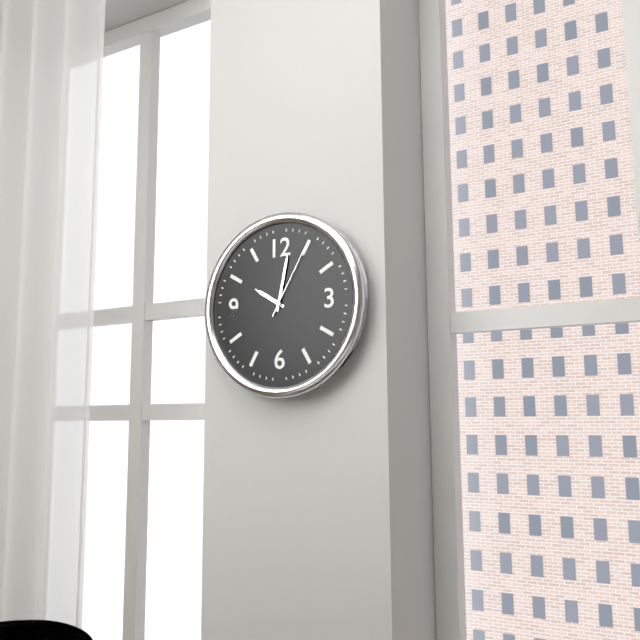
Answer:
**10:02:05**
